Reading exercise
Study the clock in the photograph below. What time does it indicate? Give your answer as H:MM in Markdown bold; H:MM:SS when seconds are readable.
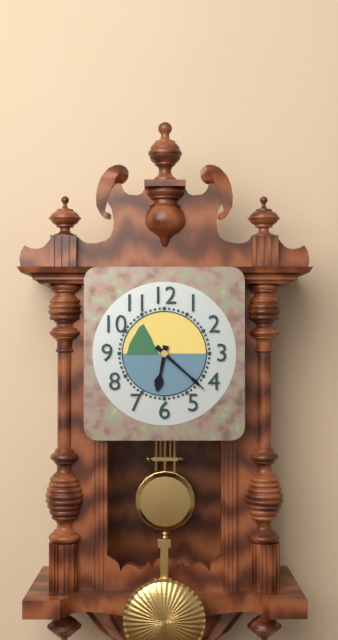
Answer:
**6:22**
